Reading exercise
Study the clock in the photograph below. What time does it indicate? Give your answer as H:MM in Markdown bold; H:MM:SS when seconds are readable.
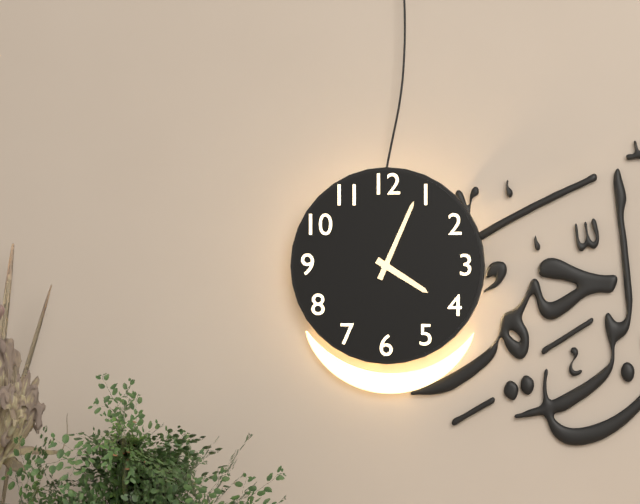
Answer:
**4:04**
